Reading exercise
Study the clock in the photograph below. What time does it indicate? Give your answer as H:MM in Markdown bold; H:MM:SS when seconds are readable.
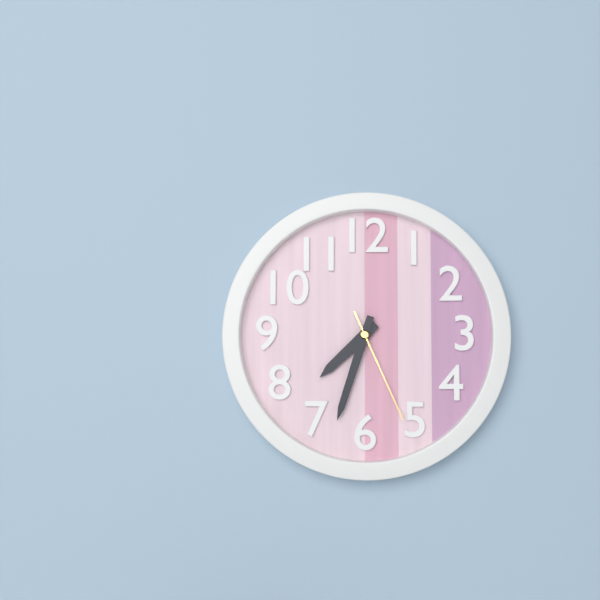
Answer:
**7:33:26**
